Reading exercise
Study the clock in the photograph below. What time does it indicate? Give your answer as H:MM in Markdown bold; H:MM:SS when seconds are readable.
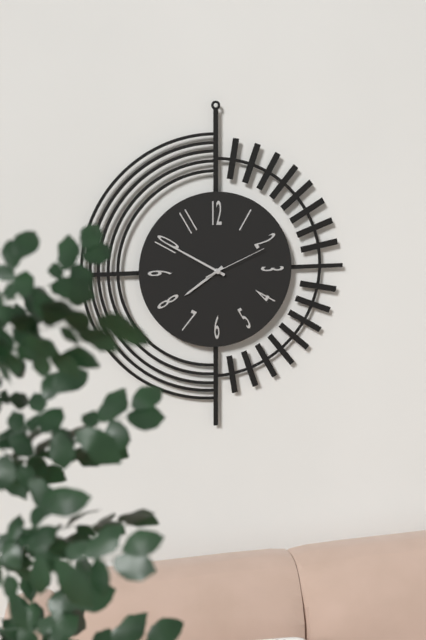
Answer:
**7:50:11**
